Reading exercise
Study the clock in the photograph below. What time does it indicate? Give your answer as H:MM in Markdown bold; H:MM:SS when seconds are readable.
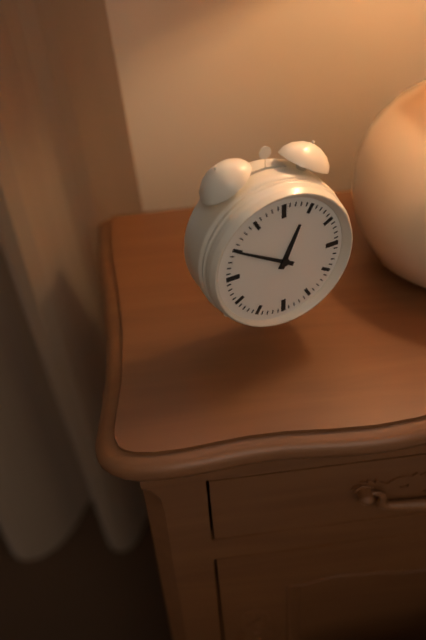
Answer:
**12:50**
